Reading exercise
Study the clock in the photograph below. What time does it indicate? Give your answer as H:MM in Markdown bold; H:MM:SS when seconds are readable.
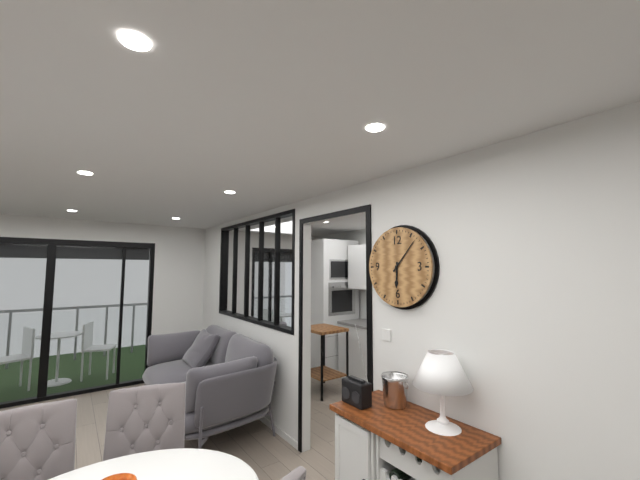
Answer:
**6:07**
